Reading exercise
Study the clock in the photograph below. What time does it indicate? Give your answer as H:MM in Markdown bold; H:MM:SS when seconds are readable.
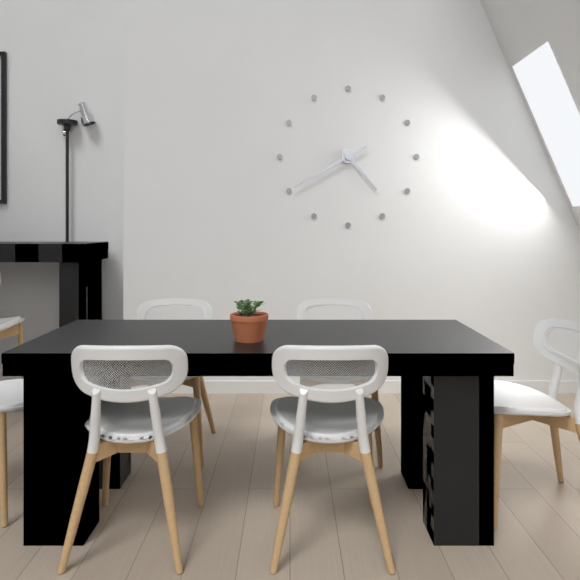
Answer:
**4:40**
